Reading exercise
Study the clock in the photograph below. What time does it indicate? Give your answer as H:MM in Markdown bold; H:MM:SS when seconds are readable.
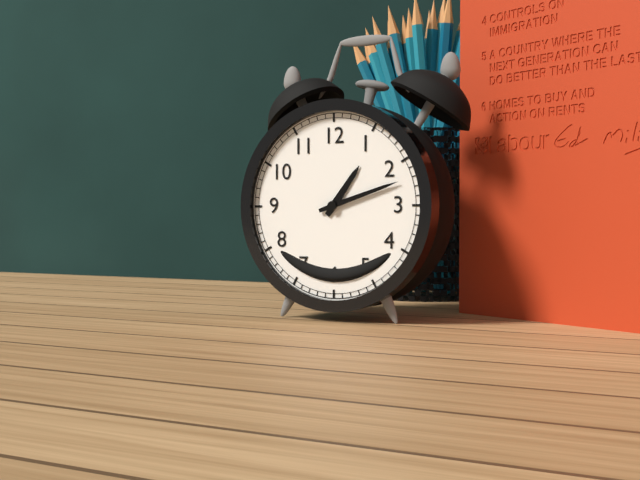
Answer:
**1:12**
